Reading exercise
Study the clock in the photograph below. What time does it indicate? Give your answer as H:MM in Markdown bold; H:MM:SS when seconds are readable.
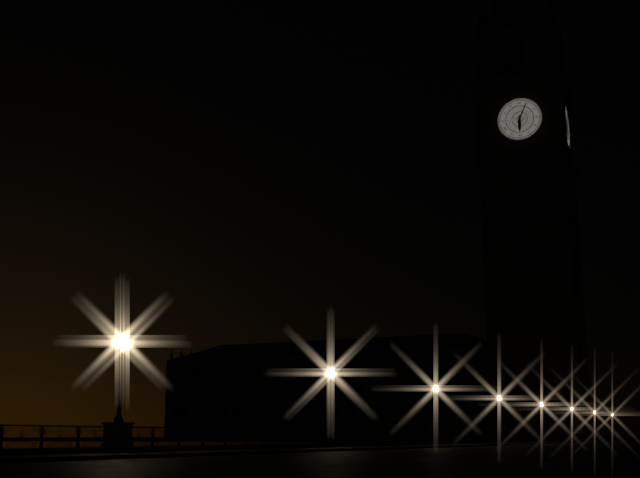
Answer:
**6:04**
